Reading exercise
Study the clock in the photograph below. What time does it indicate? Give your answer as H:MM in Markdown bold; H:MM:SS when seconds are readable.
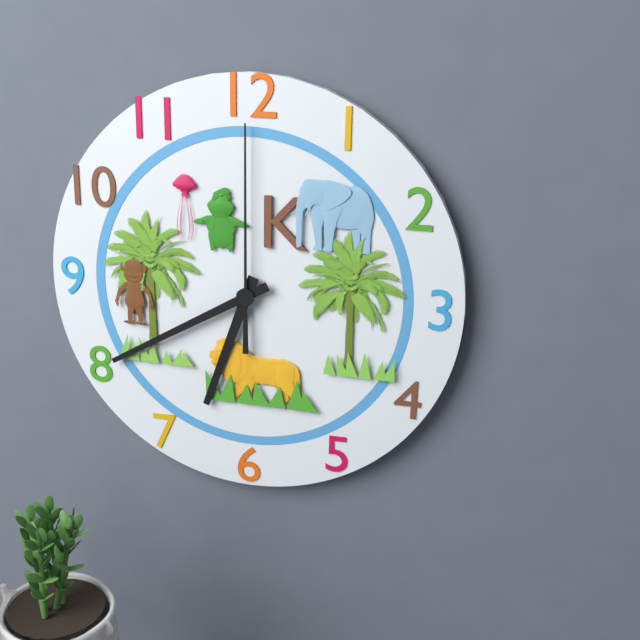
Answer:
**6:40:00**
